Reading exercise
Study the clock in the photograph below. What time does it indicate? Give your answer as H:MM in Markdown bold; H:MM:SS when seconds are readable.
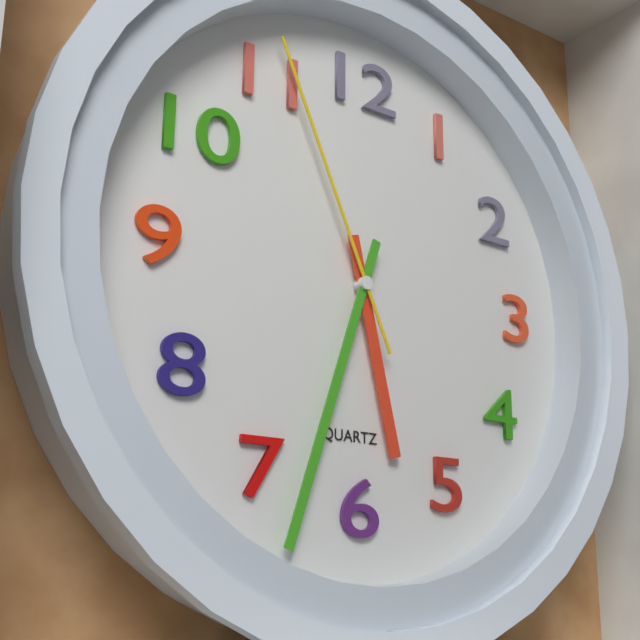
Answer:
**5:33:56**
